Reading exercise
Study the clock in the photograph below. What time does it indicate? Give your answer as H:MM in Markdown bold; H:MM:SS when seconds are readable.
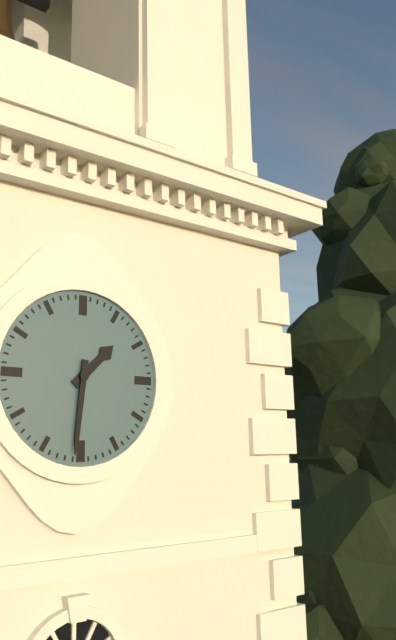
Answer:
**1:31**
